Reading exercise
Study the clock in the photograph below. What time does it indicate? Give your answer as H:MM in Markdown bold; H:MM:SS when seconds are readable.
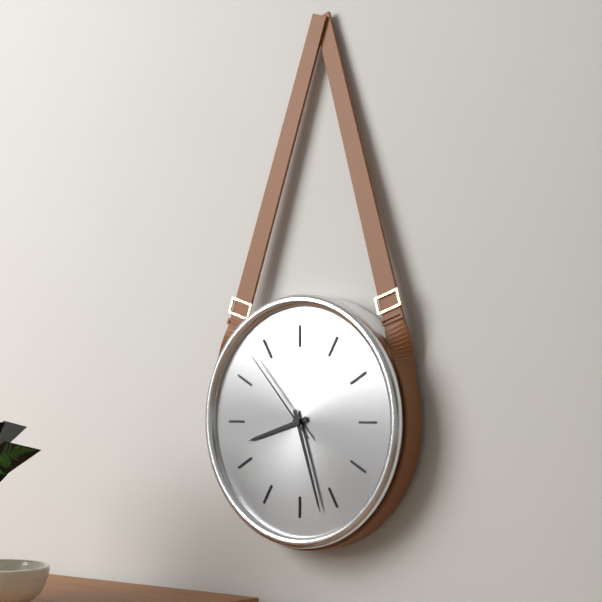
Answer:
**8:27:53**
